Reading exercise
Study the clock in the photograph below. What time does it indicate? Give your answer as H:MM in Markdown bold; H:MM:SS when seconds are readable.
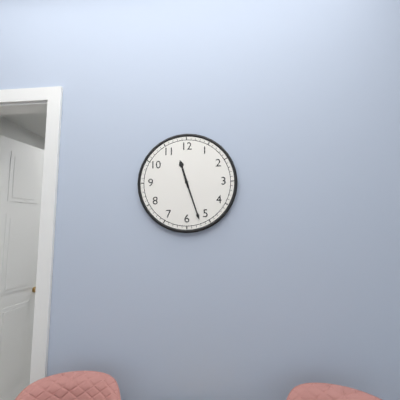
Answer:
**11:27**
